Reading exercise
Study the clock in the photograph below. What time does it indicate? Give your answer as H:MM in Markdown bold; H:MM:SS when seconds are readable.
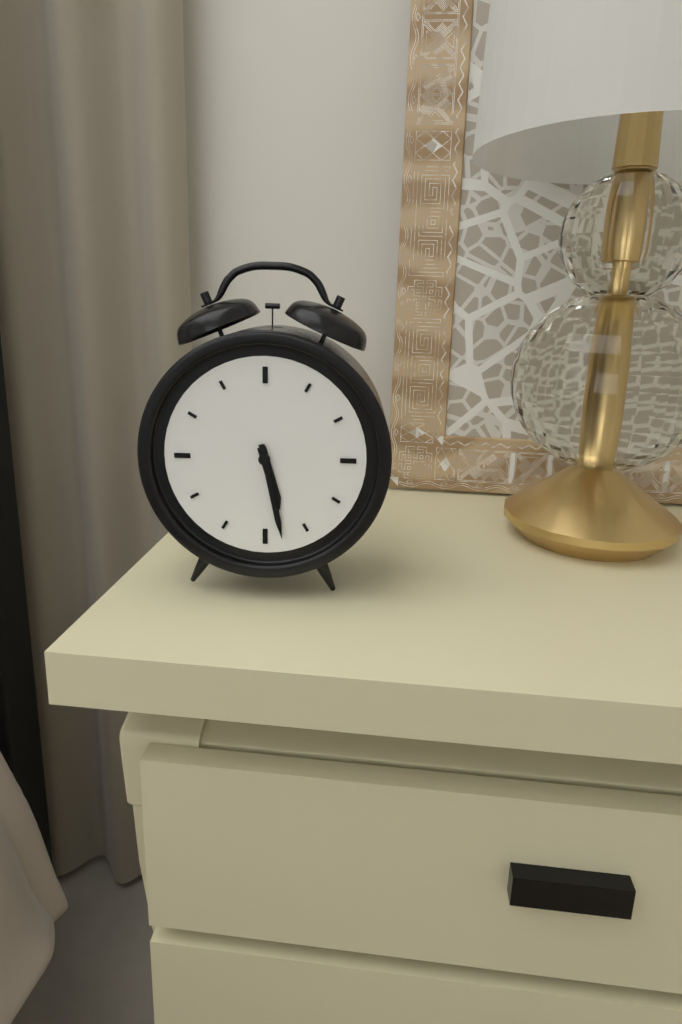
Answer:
**5:28**
